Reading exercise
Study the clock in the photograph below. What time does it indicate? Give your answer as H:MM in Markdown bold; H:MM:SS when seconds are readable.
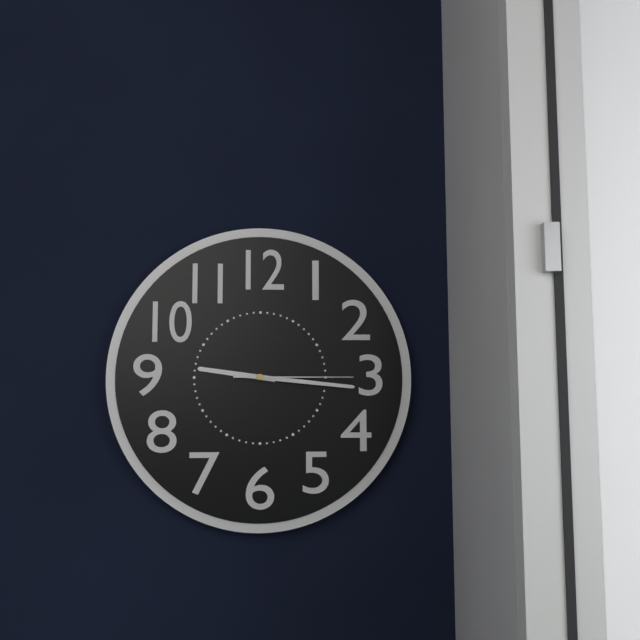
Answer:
**9:16:15**
